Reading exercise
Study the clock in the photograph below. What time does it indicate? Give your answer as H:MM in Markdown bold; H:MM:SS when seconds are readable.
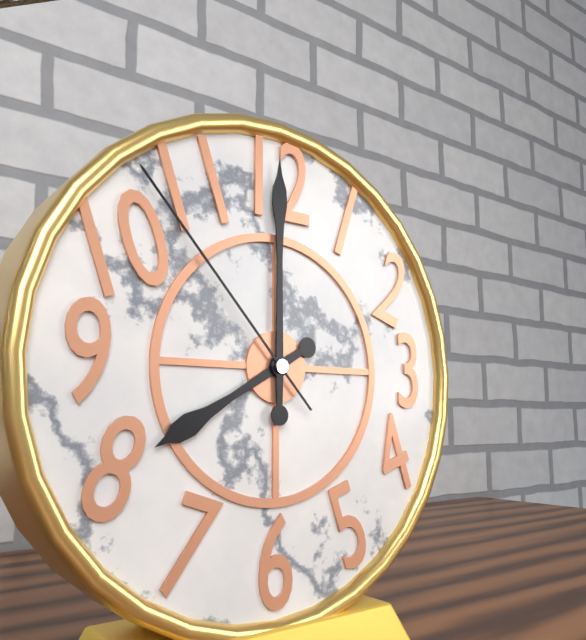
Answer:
**8:00:53**
